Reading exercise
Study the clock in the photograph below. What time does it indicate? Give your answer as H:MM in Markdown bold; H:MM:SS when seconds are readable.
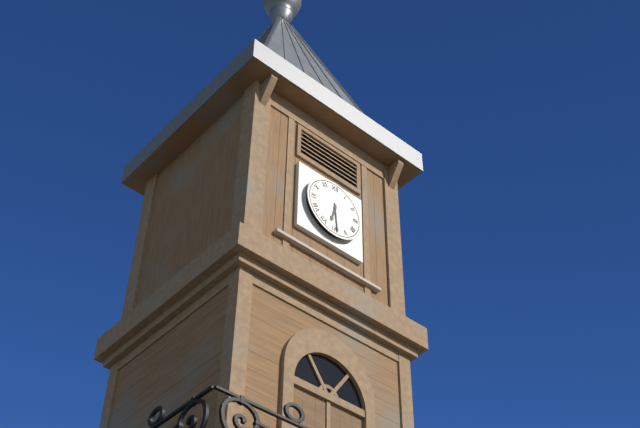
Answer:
**6:29**
